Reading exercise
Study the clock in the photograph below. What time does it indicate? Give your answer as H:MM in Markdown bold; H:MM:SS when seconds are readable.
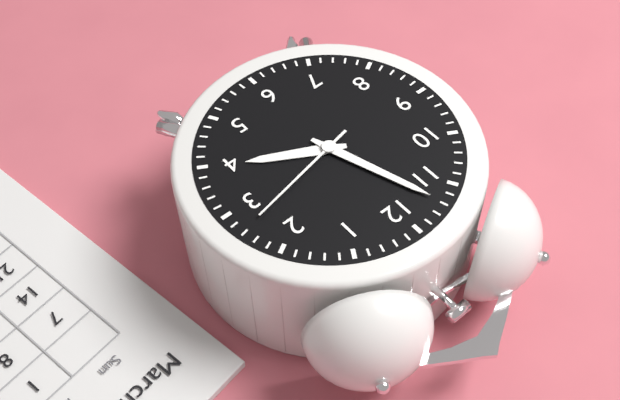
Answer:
**3:57:13**
